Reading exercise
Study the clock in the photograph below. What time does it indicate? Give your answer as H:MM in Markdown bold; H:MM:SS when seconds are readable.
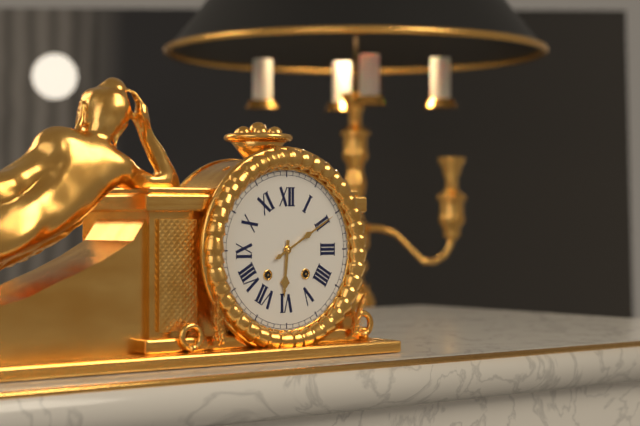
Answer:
**6:10**
